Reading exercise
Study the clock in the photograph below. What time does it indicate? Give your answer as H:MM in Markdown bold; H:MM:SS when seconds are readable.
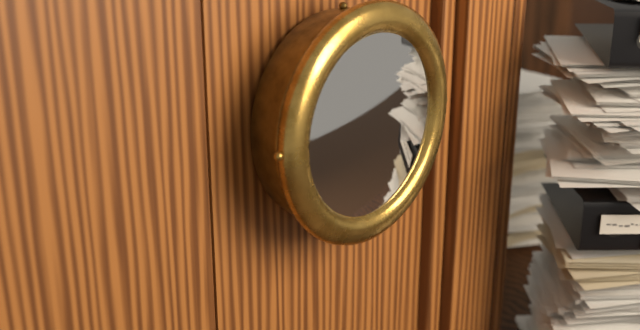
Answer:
**7:03:43**
